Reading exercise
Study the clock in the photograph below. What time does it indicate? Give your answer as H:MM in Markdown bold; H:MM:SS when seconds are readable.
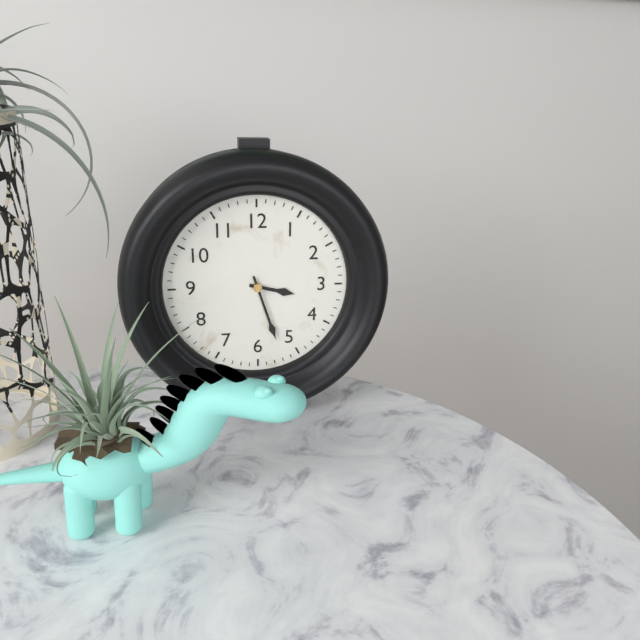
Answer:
**3:27**
